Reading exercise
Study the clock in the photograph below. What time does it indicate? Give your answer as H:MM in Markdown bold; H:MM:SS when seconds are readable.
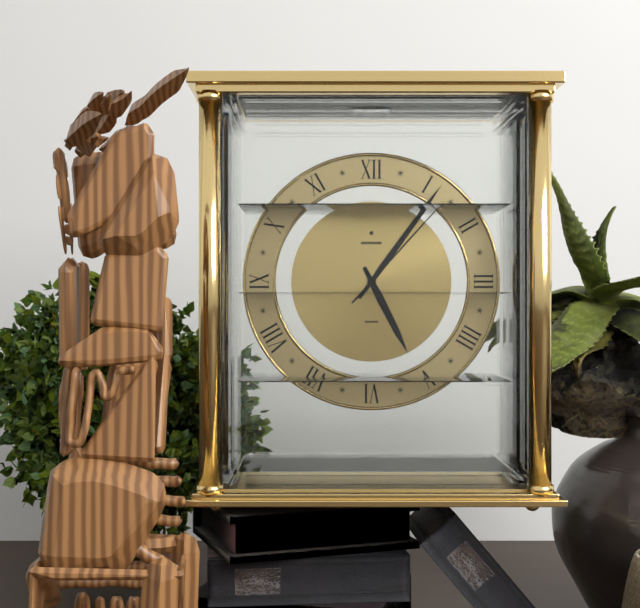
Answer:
**5:06:07**
